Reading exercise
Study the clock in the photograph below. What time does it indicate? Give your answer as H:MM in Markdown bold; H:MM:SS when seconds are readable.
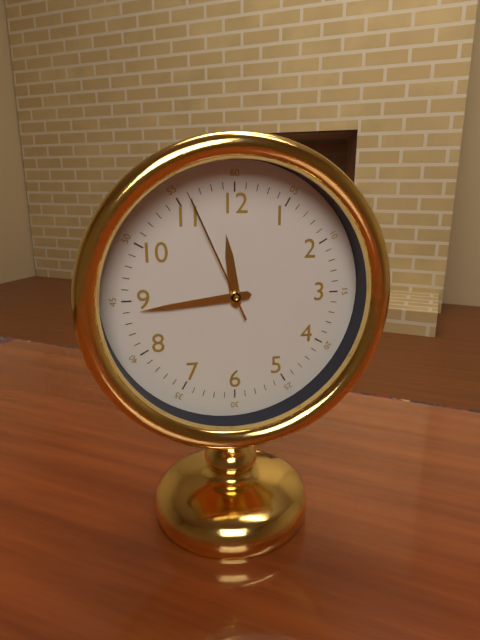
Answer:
**11:44:56**
